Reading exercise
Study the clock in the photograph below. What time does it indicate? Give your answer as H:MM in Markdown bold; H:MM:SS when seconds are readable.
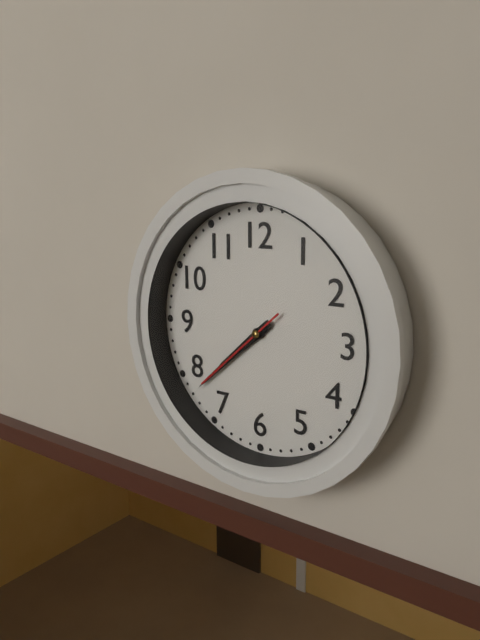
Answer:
**7:38:38**
